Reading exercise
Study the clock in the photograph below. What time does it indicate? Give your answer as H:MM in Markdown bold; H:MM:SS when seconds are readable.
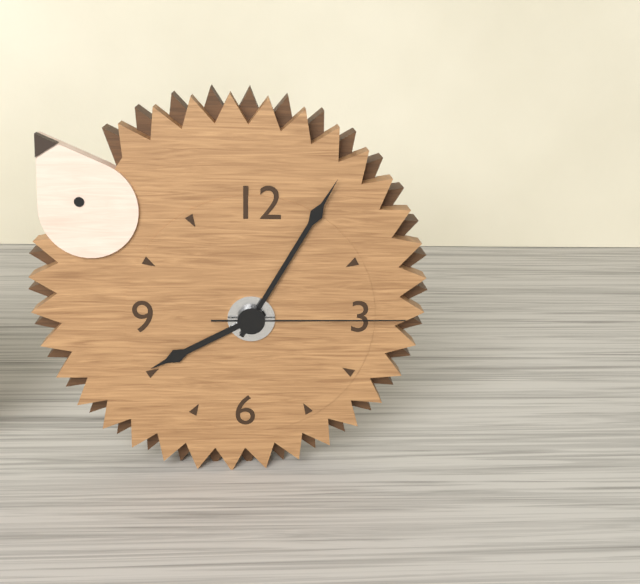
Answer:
**8:05:15**
